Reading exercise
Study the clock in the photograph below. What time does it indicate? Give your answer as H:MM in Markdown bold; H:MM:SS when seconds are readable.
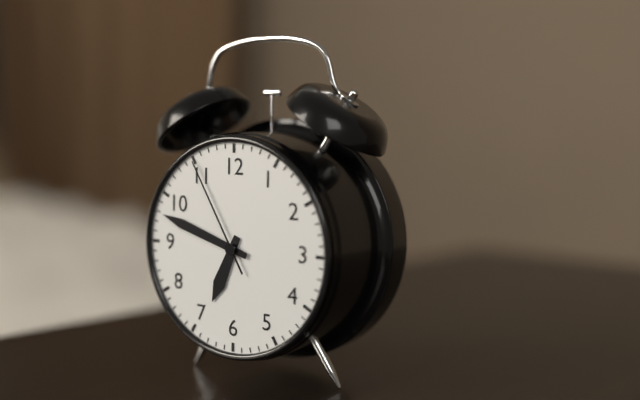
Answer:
**6:48:55**
